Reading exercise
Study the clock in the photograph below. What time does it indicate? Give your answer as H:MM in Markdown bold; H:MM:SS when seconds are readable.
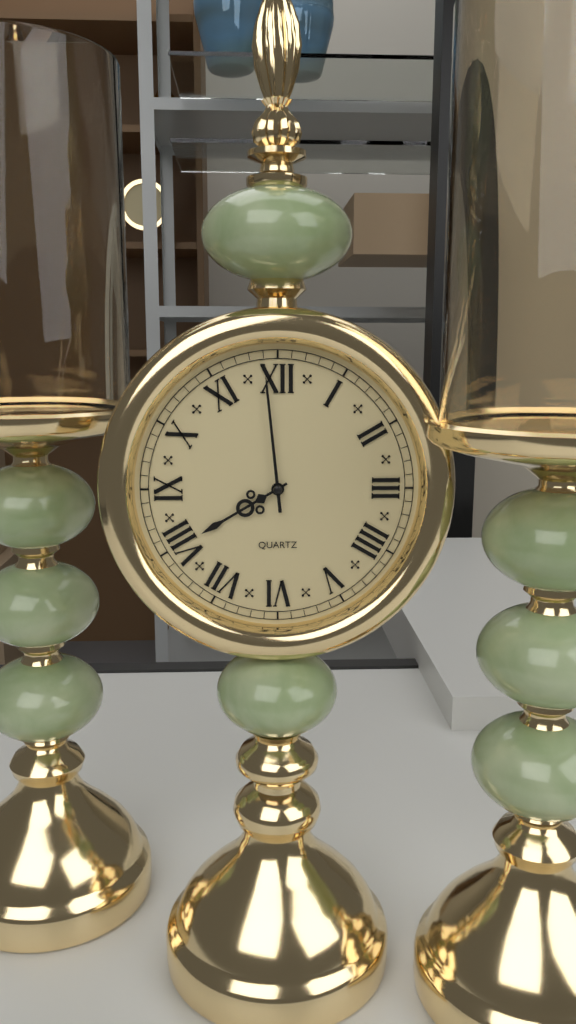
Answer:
**7:59**
